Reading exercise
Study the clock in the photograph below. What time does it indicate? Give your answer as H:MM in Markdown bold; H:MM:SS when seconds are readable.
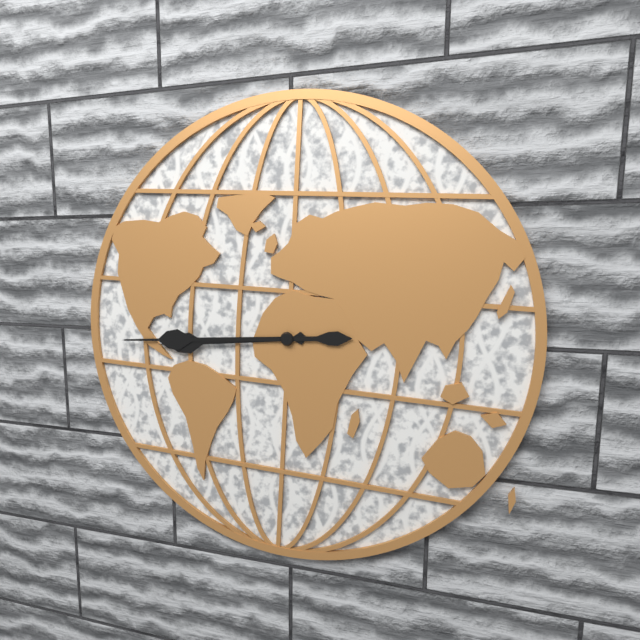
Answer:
**8:44**
